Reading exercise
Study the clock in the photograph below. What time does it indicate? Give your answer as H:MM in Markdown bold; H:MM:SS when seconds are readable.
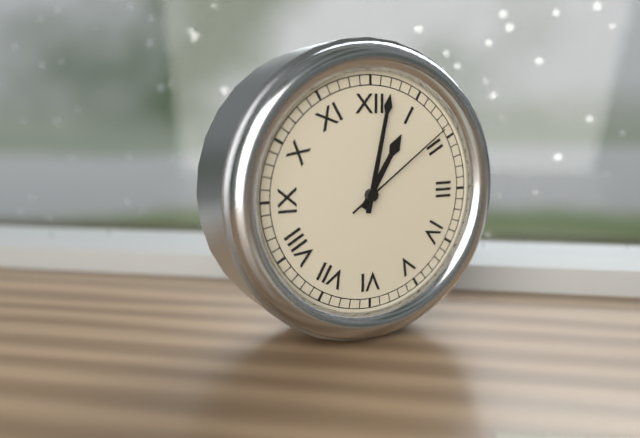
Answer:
**1:02:09**
